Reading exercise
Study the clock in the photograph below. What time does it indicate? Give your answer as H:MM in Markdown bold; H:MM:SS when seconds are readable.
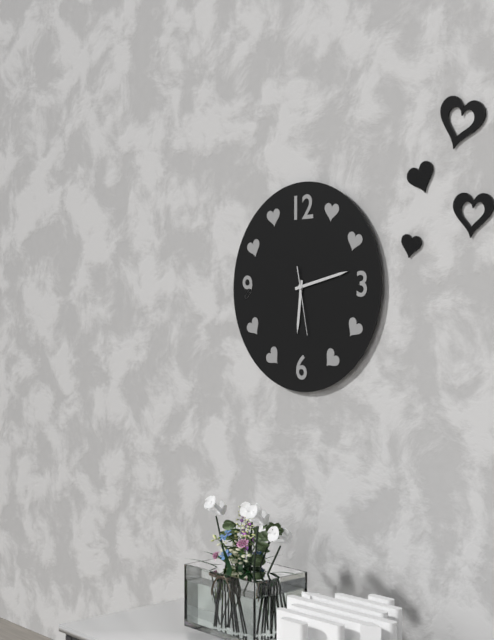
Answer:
**6:13:28**
